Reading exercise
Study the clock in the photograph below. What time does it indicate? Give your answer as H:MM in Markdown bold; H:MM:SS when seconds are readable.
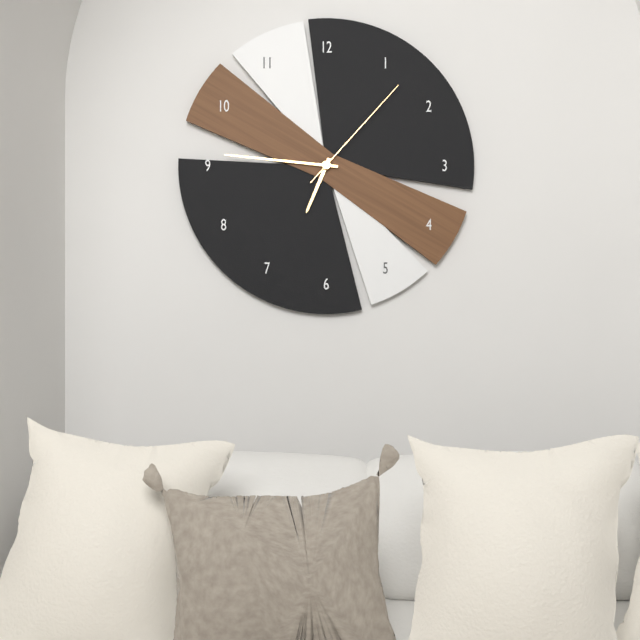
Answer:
**6:46:07**
